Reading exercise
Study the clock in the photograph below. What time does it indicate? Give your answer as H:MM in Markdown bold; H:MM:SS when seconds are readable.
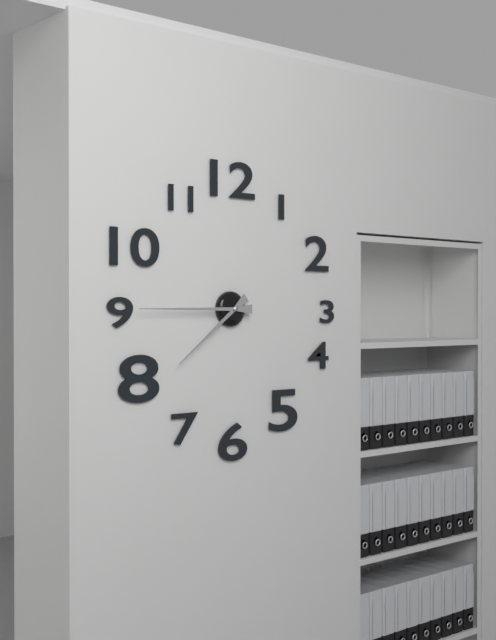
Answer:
**7:45**
